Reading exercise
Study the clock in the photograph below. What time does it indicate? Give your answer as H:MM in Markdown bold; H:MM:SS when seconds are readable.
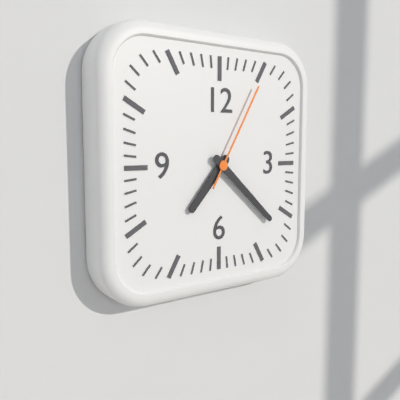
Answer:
**7:22:05**
